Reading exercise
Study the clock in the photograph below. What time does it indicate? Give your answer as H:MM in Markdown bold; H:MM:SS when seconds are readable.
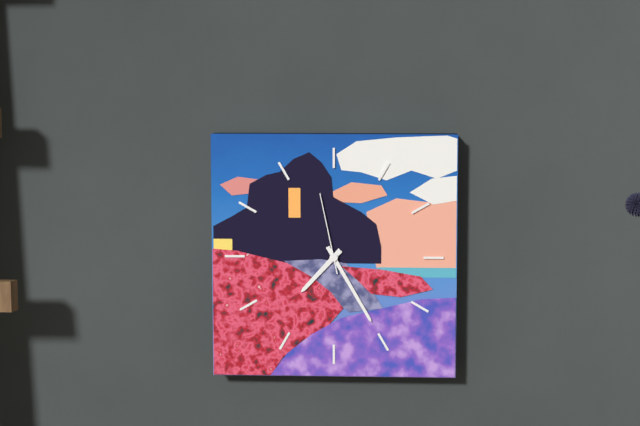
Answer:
**7:25:58**
